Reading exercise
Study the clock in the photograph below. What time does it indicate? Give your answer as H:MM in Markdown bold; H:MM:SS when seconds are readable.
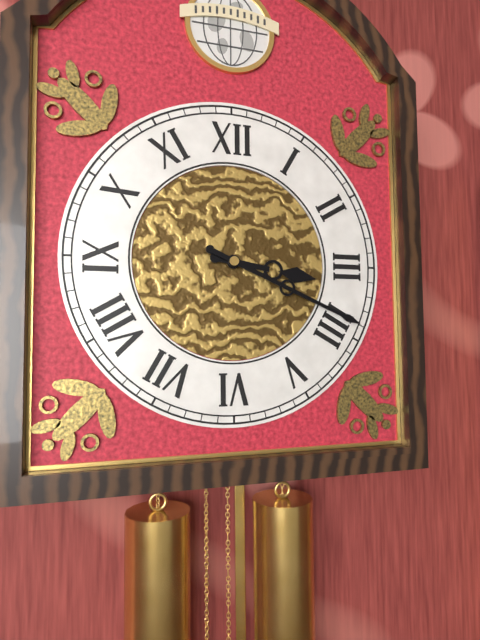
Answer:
**3:19**
